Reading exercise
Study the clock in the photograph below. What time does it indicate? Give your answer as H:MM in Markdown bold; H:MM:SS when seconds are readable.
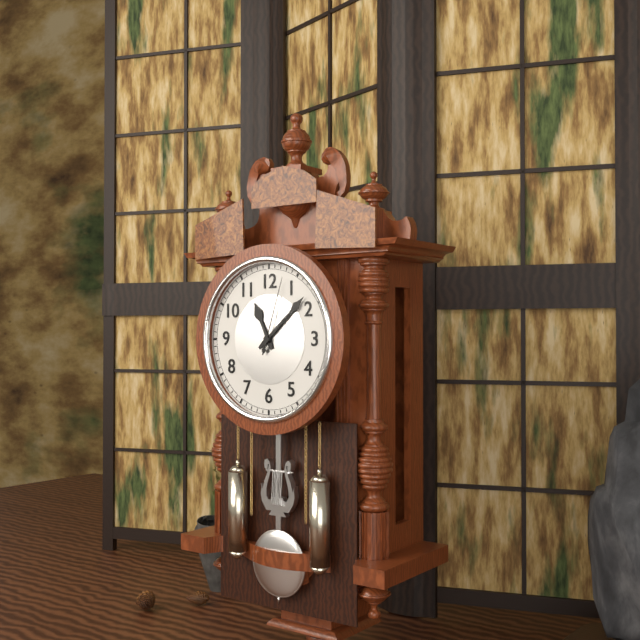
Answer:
**11:08:03**
